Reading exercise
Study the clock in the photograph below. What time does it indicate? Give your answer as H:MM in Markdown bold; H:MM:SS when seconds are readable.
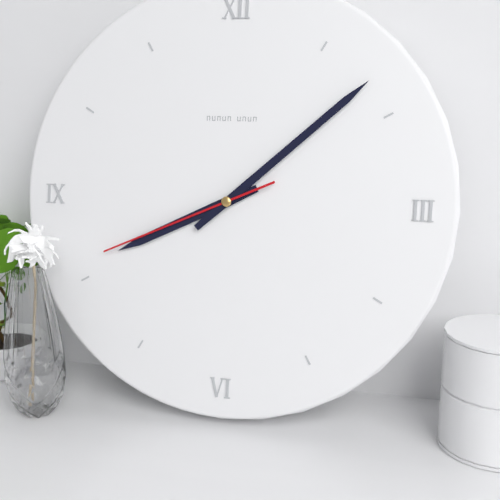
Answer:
**8:08:41**
